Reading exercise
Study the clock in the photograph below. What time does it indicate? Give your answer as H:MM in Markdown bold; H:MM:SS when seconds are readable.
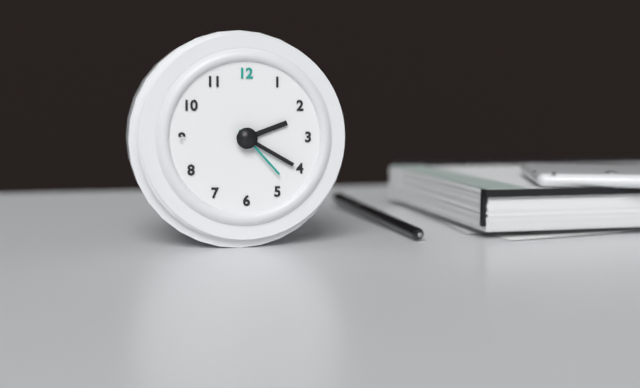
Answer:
**2:20:23**
